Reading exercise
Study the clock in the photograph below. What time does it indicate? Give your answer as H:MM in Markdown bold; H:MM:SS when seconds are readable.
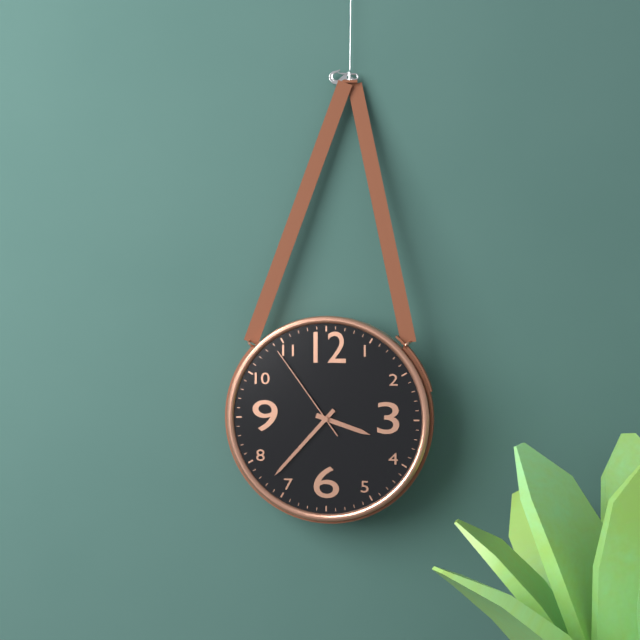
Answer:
**3:37:54**
